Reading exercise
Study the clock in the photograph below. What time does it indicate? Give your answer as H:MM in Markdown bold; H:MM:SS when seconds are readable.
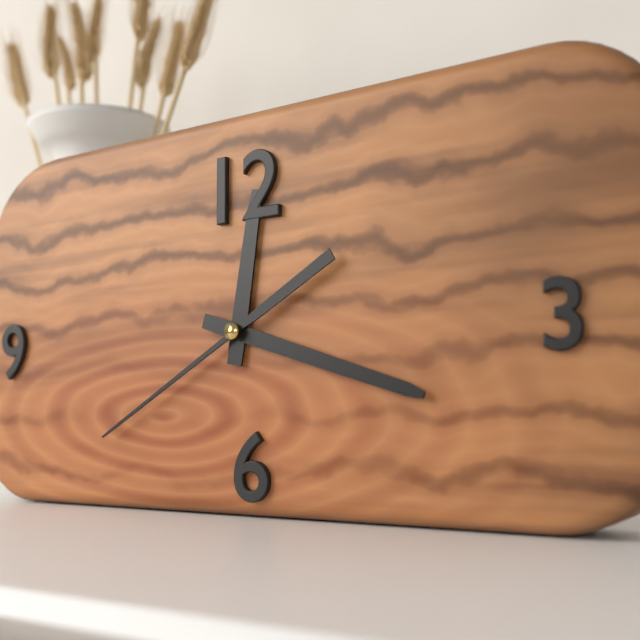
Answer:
**12:18:40**
